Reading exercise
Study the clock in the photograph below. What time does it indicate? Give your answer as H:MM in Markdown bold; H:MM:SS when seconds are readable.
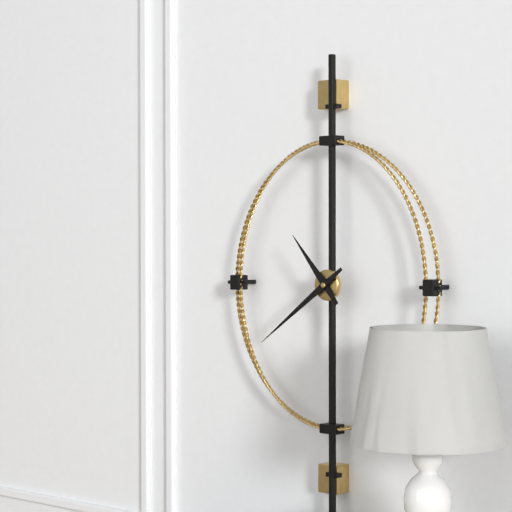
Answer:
**10:39**
